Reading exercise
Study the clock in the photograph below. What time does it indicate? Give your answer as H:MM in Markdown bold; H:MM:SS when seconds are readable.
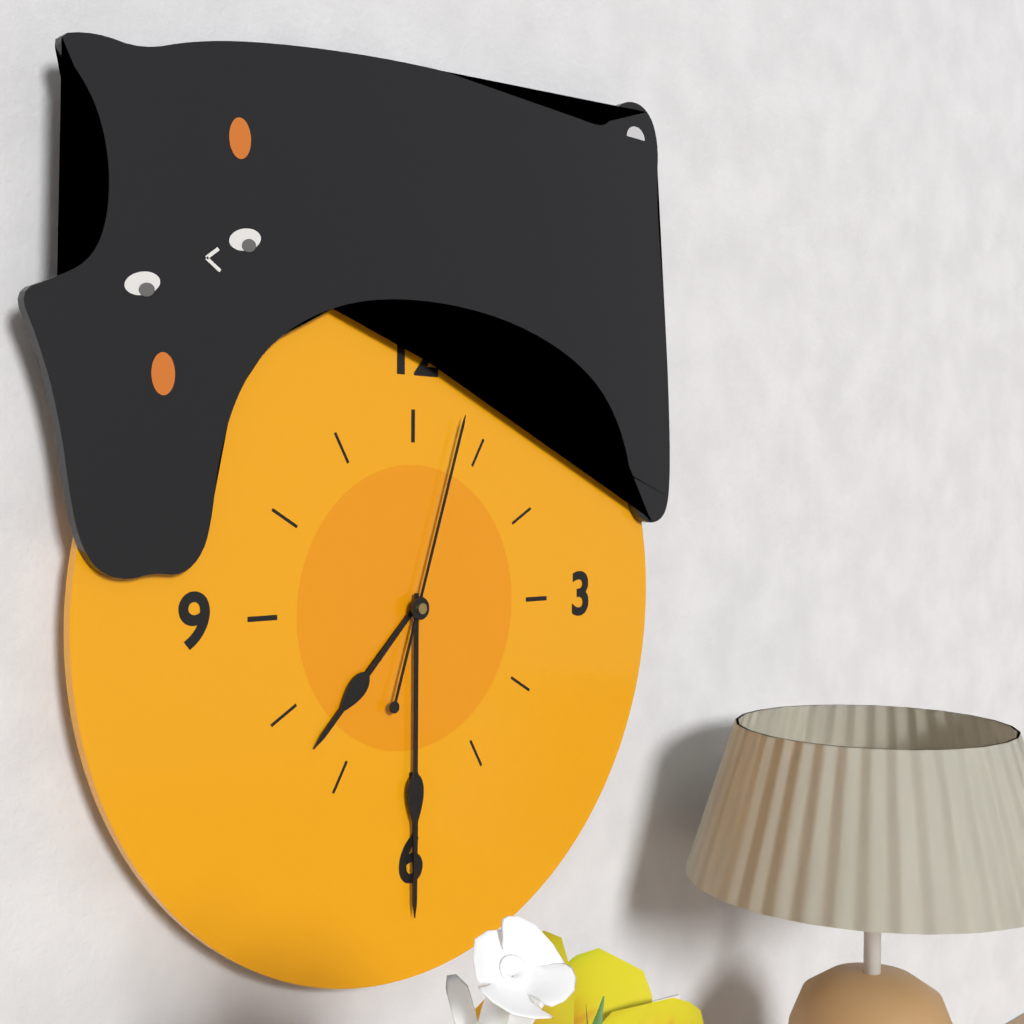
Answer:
**7:30:03**
